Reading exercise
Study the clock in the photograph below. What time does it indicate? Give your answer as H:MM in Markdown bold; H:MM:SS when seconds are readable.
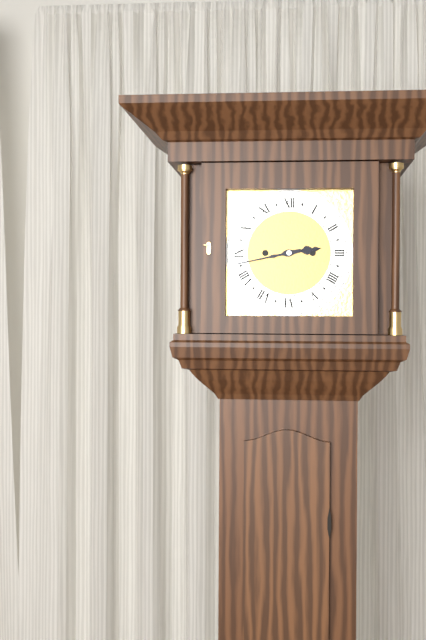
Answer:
**2:43**
